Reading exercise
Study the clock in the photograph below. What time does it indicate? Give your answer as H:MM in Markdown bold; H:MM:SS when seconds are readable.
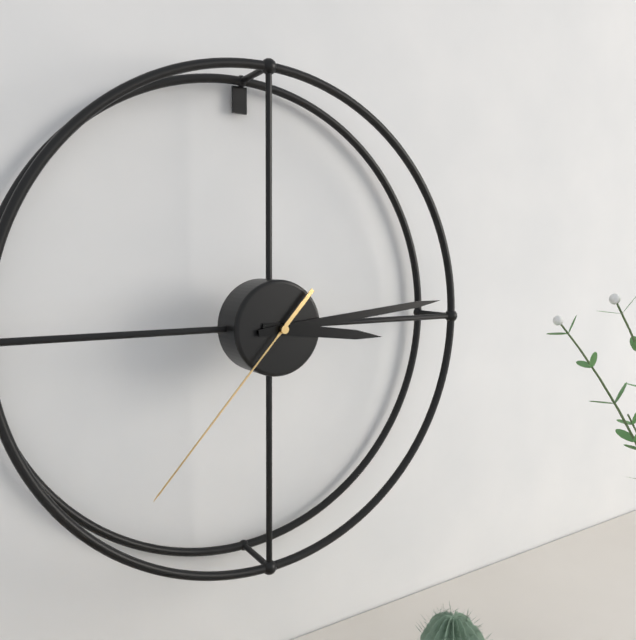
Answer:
**3:14:37**
